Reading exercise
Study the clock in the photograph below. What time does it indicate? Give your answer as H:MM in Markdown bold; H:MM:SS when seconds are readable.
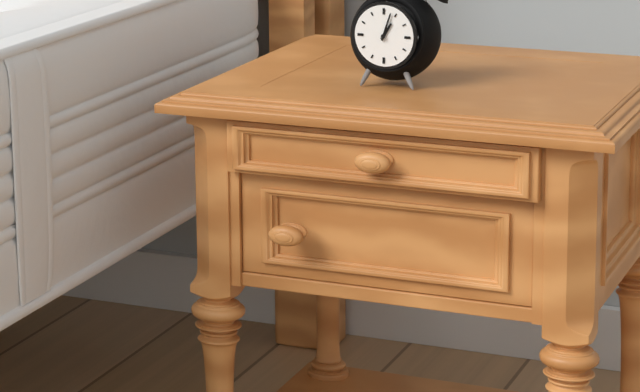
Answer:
**1:03**
